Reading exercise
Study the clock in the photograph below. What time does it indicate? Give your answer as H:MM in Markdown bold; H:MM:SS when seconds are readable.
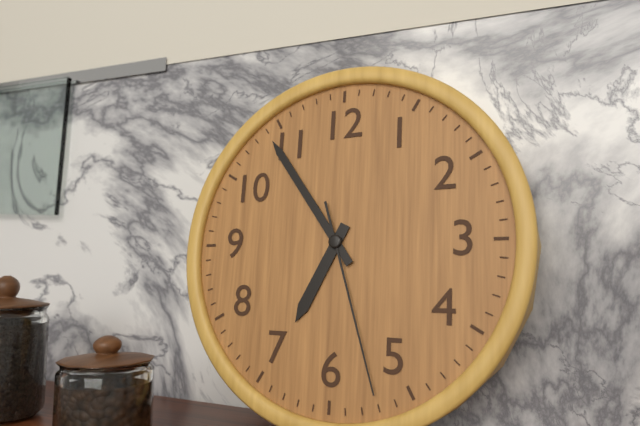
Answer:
**6:54:27**
